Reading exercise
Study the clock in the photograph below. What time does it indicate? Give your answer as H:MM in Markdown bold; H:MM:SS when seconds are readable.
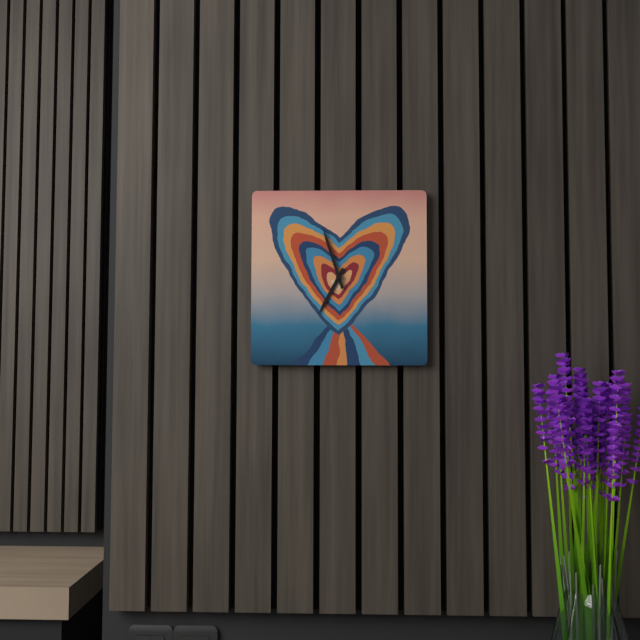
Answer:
**6:57**
